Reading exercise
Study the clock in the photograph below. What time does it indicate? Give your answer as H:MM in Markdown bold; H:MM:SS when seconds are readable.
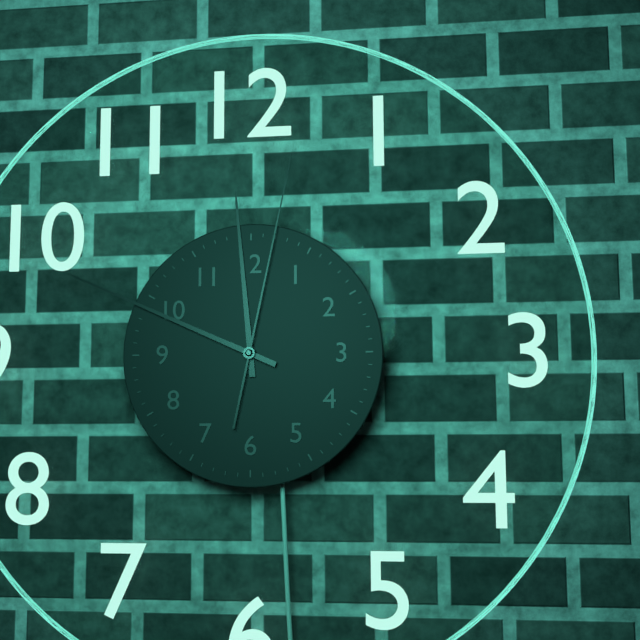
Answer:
**11:49:02**
